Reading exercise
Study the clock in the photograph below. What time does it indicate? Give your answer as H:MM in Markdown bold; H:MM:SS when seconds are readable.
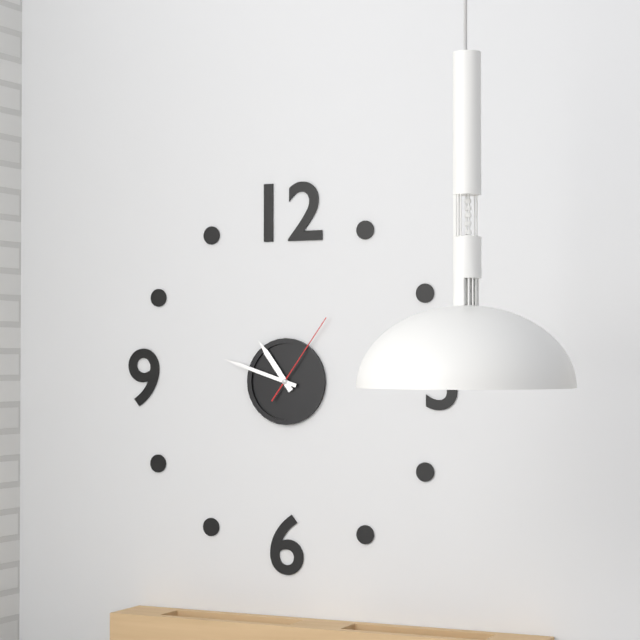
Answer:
**10:48:06**
